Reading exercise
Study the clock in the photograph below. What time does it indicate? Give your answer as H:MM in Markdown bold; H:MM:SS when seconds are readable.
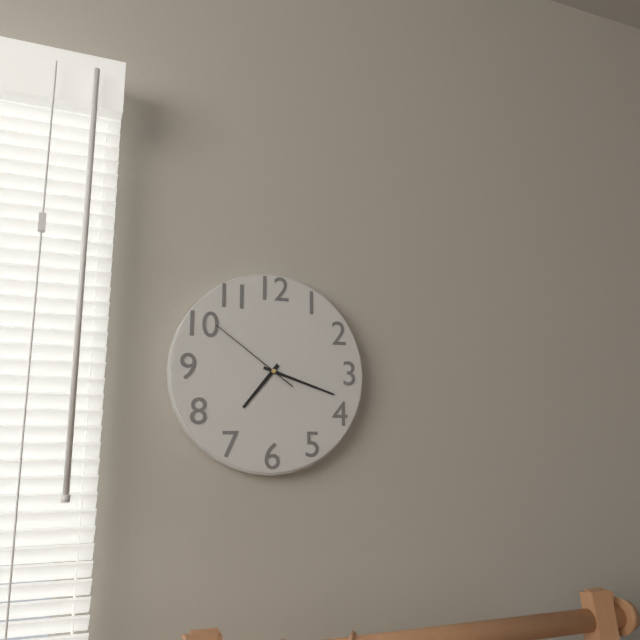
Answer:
**7:18:51**
